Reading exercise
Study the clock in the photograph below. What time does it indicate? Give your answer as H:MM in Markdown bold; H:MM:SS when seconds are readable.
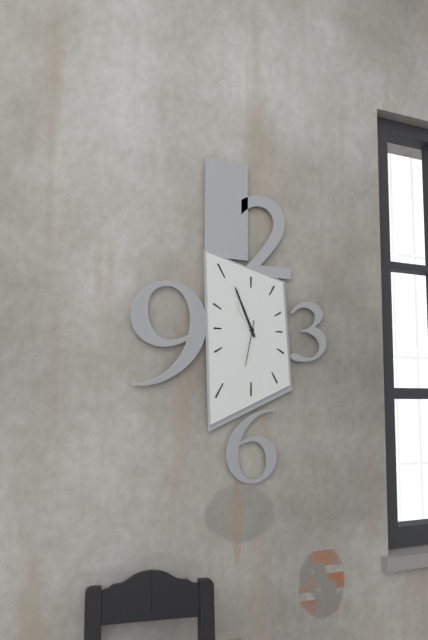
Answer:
**10:56**
